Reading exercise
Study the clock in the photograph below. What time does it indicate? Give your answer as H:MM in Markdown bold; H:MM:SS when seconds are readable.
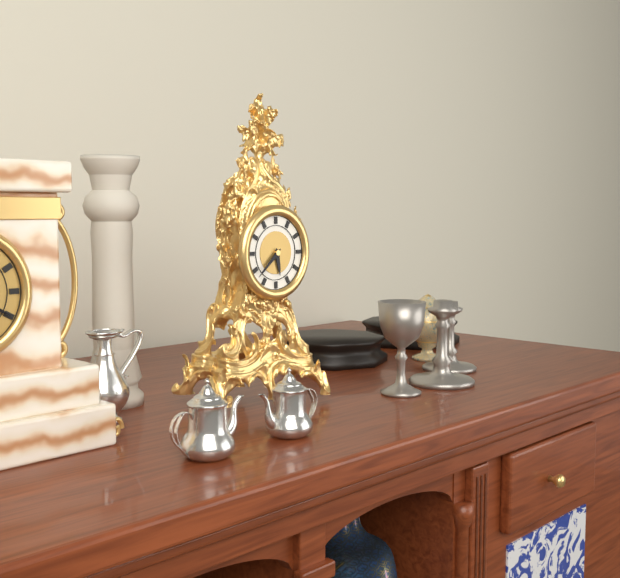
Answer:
**5:38**
